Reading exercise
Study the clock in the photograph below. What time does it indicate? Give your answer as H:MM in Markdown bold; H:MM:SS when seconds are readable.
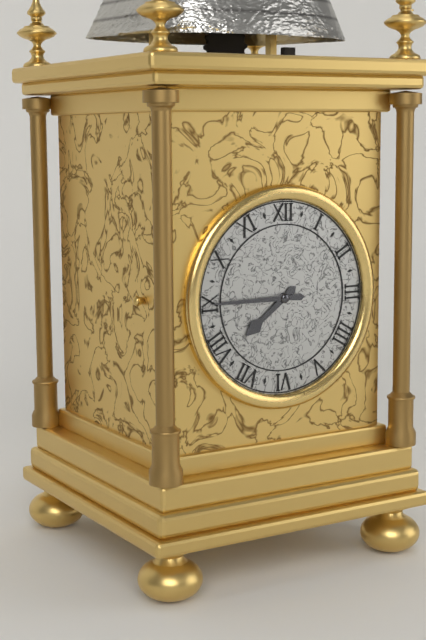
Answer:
**7:45**
